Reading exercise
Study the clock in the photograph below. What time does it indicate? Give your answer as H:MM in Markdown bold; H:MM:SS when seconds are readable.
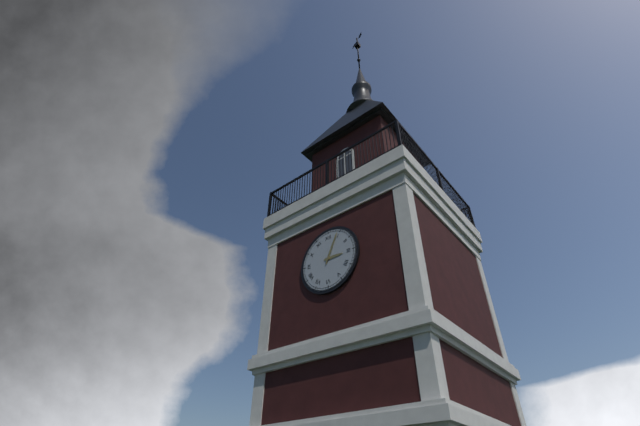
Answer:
**3:04**
